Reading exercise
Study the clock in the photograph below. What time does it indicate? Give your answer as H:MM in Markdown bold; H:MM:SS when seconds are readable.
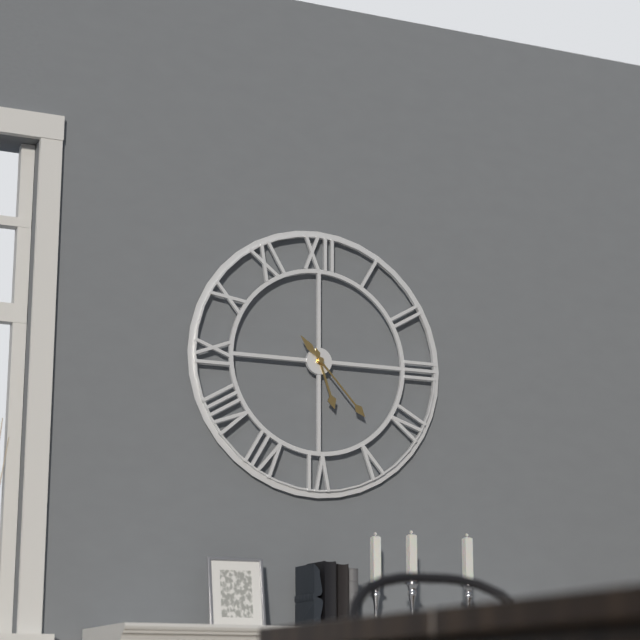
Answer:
**5:23**
